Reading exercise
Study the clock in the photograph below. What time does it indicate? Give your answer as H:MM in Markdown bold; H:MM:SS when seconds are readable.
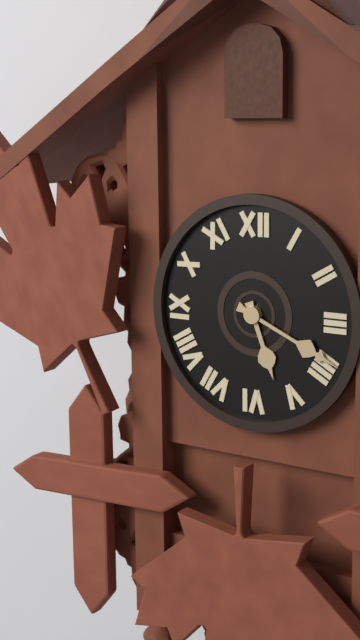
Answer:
**5:19**
